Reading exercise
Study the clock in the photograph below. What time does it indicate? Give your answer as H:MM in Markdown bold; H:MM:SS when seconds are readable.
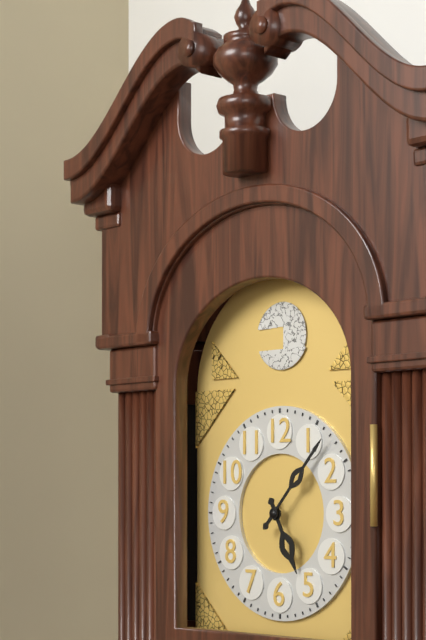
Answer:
**5:07**
